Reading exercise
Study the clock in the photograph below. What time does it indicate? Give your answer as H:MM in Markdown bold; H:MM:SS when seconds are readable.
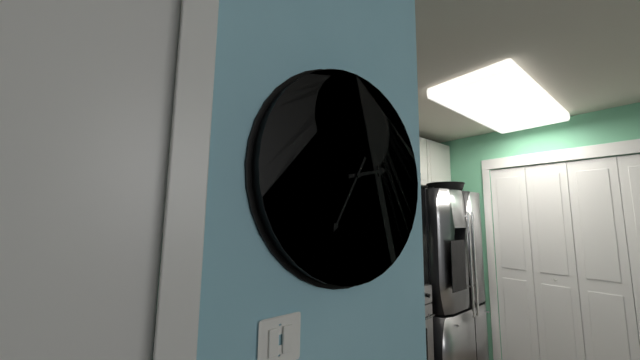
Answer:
**2:35**
